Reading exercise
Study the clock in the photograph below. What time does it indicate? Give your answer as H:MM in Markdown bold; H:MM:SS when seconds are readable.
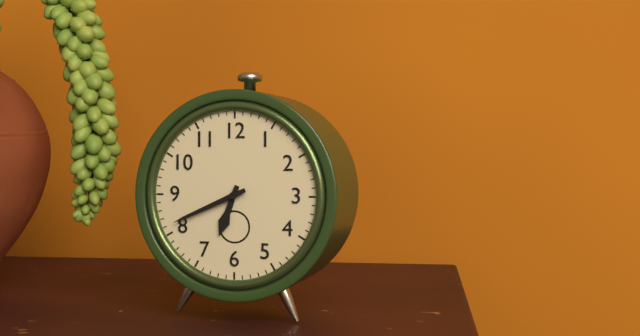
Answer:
**6:41**
